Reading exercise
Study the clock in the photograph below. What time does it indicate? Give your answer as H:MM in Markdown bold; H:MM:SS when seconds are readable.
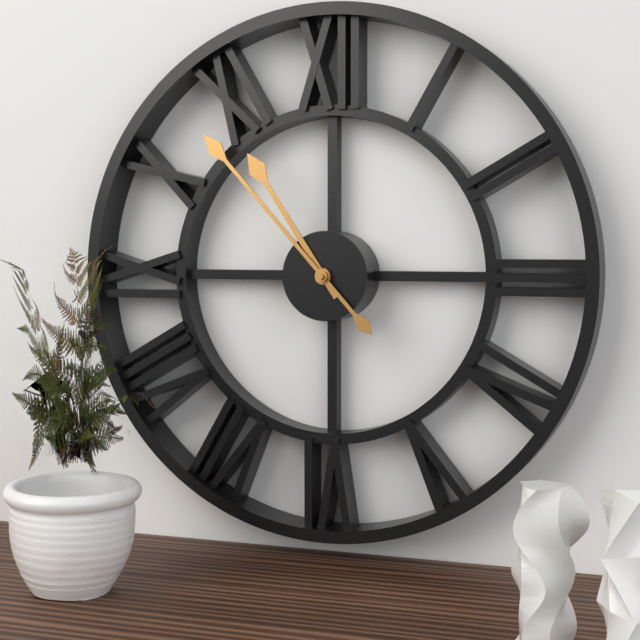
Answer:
**10:53**
